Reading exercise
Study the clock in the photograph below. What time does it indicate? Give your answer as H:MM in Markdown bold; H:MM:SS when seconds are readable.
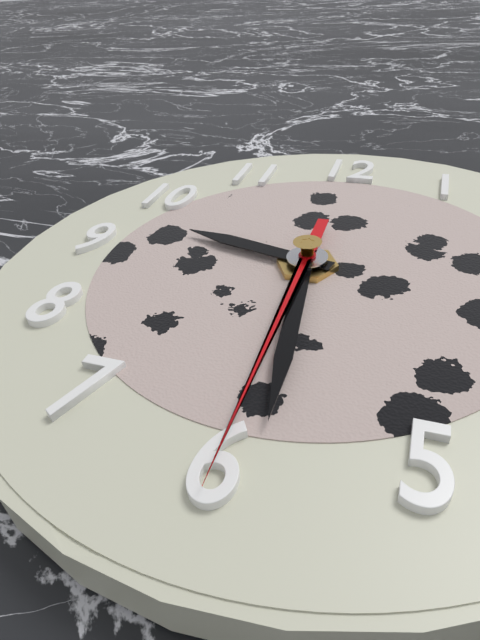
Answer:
**9:29:30**
